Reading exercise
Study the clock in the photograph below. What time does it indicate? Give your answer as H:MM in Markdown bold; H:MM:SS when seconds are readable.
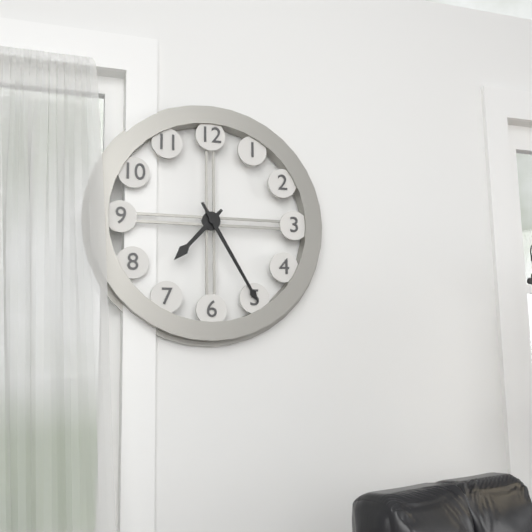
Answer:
**7:25**
